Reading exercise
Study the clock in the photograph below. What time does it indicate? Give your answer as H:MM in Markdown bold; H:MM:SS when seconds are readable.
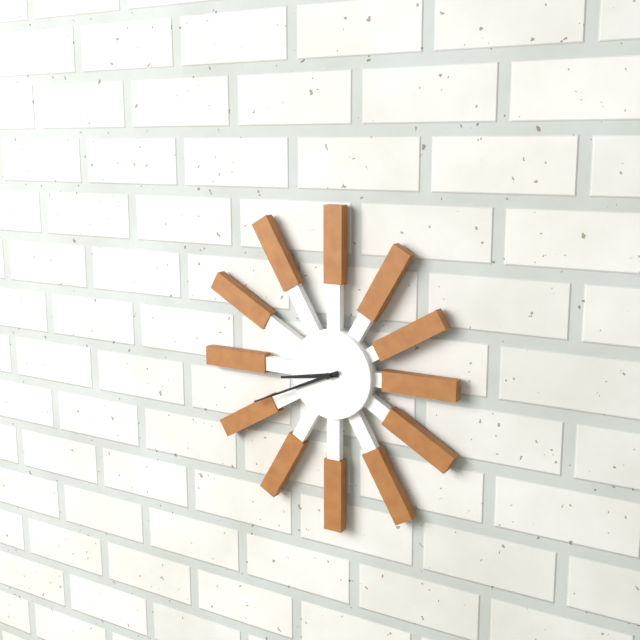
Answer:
**8:41**
